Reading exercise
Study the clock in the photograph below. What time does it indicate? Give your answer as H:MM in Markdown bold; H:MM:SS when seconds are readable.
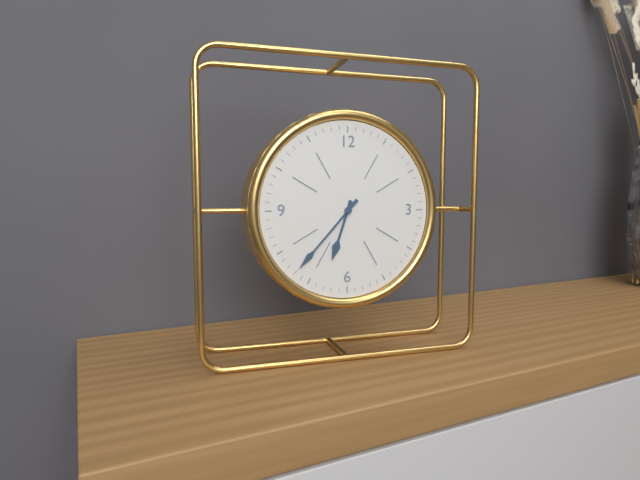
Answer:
**6:37**
